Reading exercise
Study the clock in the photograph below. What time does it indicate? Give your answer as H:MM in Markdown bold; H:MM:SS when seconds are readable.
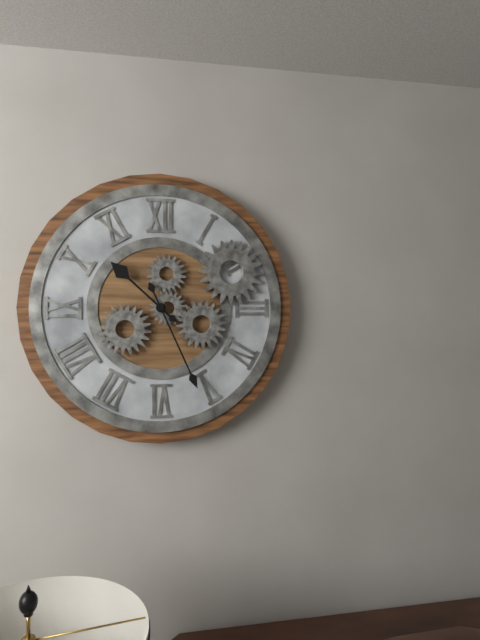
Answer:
**10:26**
